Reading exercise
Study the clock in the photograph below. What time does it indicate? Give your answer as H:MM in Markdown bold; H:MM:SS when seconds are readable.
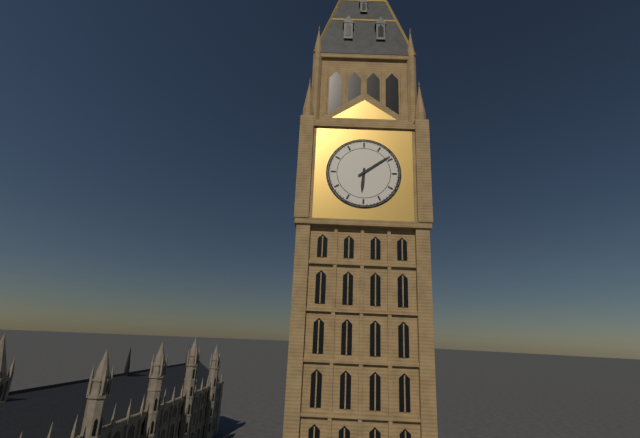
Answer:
**6:09**
